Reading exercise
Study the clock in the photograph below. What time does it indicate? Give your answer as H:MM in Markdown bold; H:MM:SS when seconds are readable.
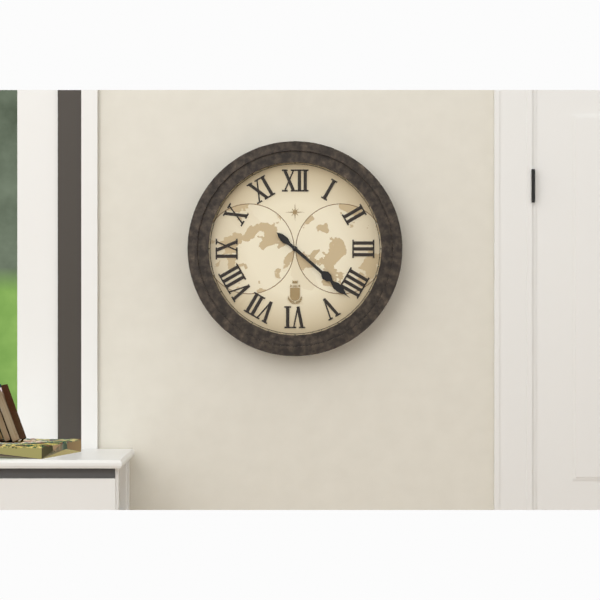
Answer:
**4:22**
